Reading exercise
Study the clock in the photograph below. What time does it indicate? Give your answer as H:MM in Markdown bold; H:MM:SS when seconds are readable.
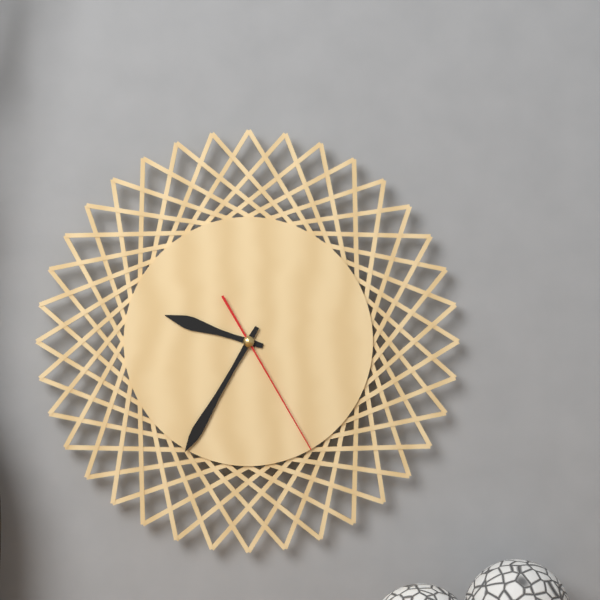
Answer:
**9:35:25**
